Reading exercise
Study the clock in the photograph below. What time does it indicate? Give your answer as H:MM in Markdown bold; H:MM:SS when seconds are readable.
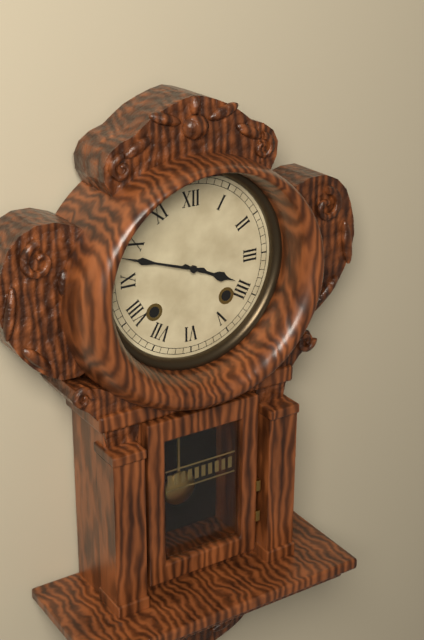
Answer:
**3:48**
